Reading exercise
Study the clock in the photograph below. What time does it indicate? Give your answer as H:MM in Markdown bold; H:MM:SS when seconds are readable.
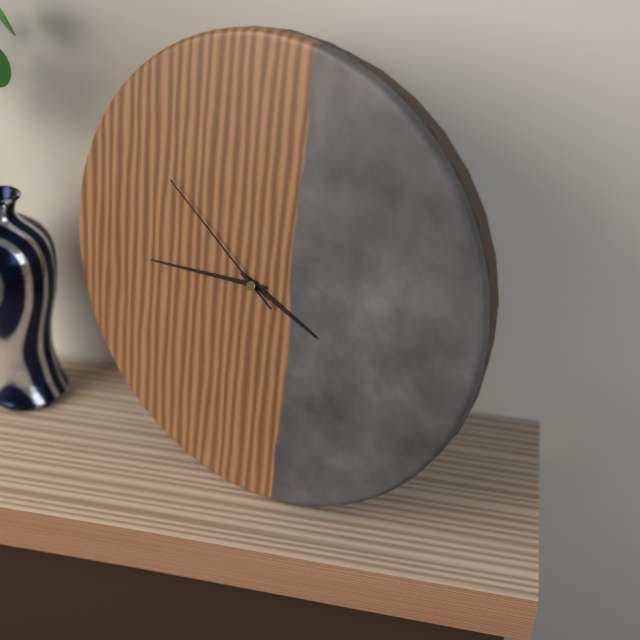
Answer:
**3:44:51**
